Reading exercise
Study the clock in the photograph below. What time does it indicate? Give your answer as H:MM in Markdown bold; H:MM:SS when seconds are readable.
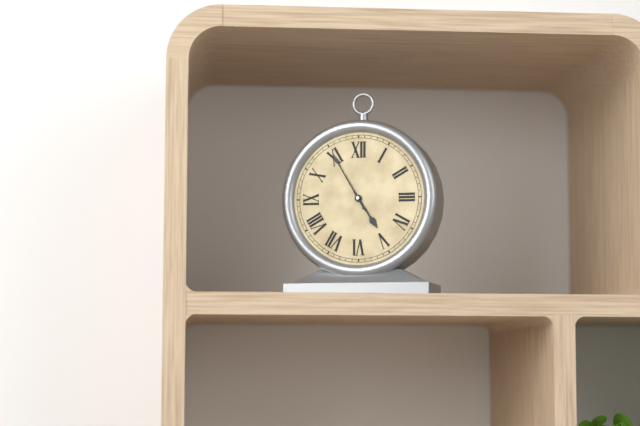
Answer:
**4:55**
